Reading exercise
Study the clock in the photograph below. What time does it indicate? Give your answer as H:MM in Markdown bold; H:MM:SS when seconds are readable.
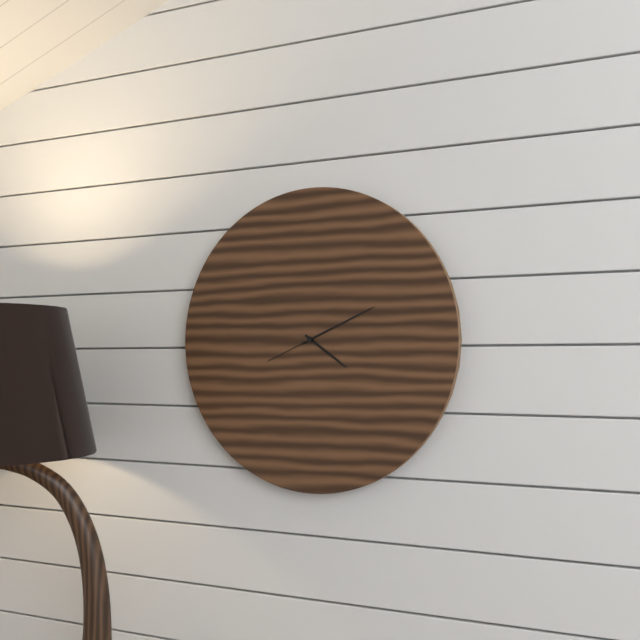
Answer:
**4:11:41**
